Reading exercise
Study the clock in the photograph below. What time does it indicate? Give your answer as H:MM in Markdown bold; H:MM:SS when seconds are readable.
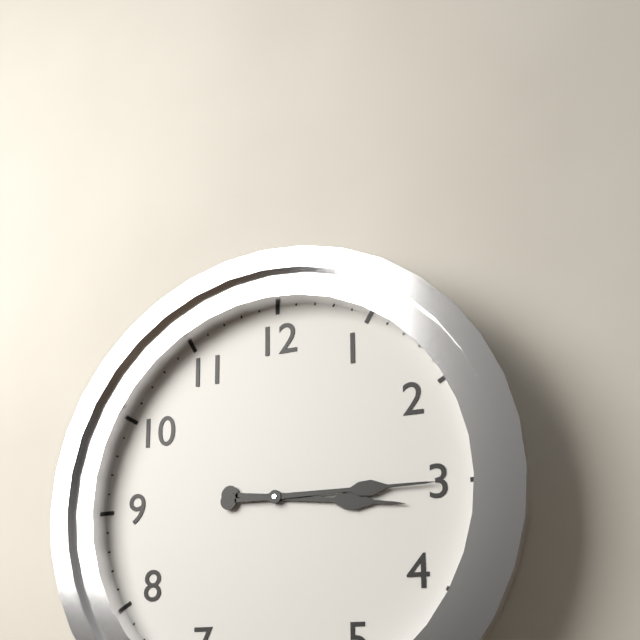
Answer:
**3:15**
